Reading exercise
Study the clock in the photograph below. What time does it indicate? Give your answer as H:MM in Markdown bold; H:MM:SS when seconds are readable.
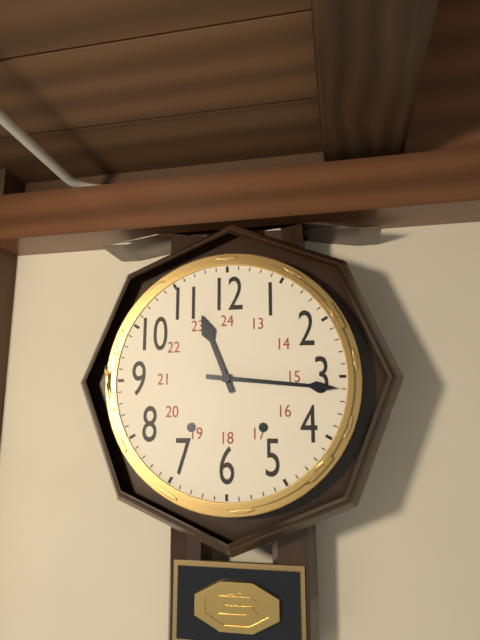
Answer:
**11:16**
